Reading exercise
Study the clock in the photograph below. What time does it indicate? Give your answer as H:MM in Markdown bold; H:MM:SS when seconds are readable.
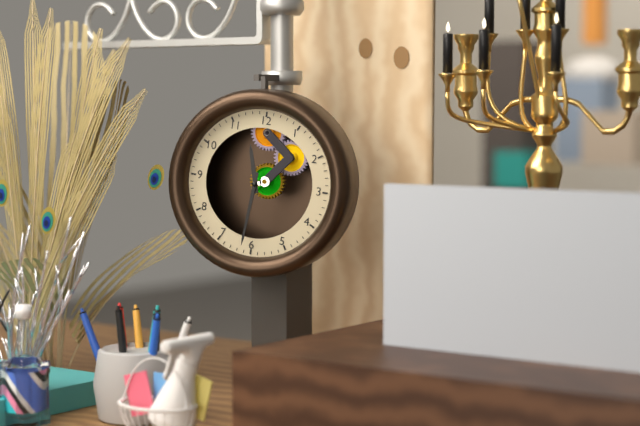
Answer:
**11:31**
